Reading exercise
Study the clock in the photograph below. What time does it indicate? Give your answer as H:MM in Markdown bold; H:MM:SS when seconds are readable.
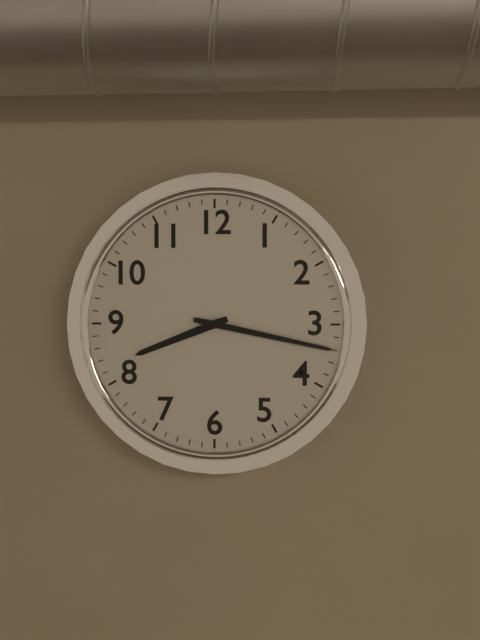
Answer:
**8:17**
